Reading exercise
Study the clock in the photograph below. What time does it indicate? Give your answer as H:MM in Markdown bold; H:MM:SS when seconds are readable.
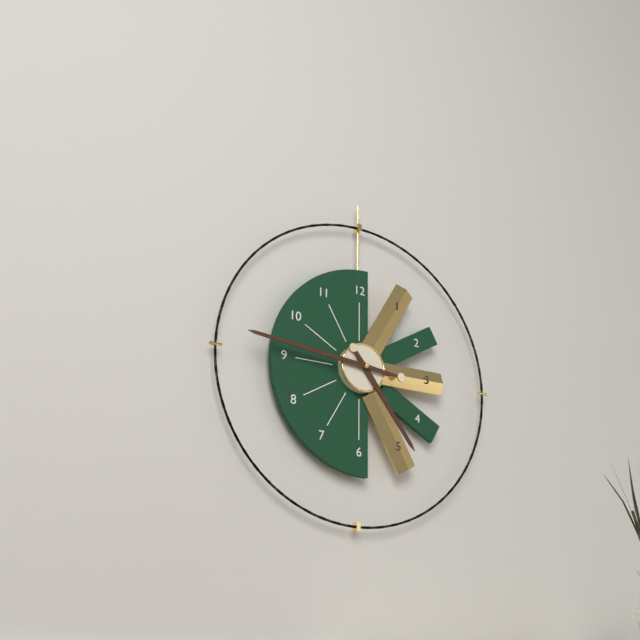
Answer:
**4:46**
